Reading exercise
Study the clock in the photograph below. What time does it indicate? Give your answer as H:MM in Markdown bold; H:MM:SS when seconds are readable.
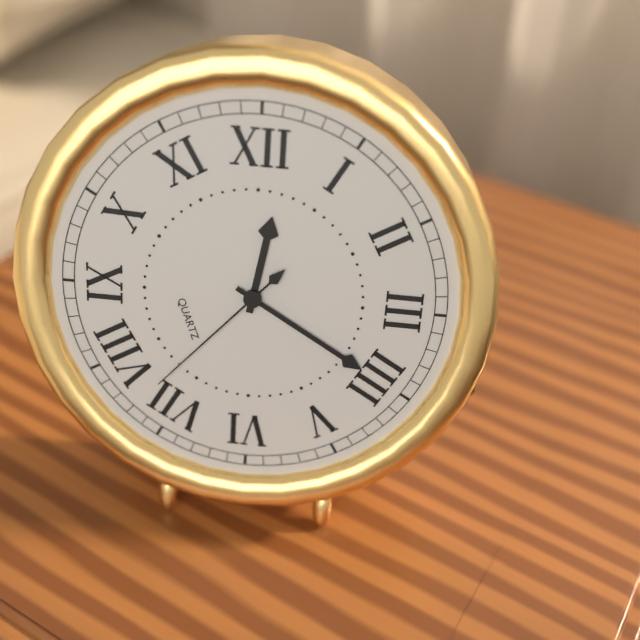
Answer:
**12:20:37**
